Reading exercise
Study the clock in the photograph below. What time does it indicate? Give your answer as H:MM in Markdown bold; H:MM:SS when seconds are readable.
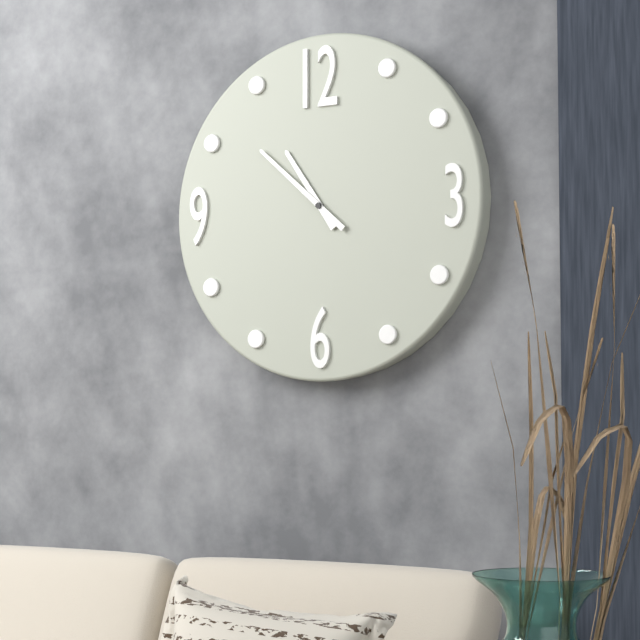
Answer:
**10:52**
